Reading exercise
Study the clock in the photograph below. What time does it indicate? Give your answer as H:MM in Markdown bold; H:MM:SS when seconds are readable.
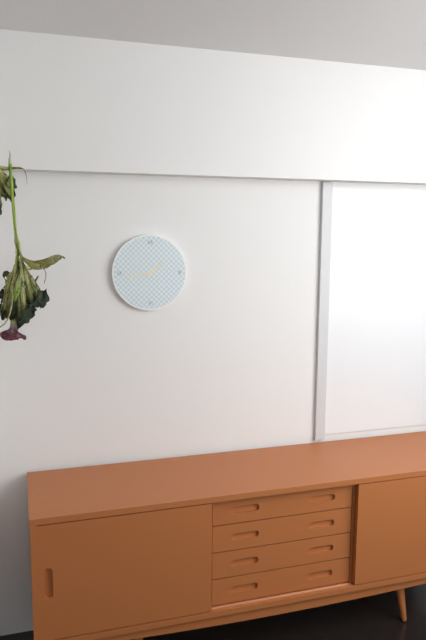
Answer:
**1:43**
